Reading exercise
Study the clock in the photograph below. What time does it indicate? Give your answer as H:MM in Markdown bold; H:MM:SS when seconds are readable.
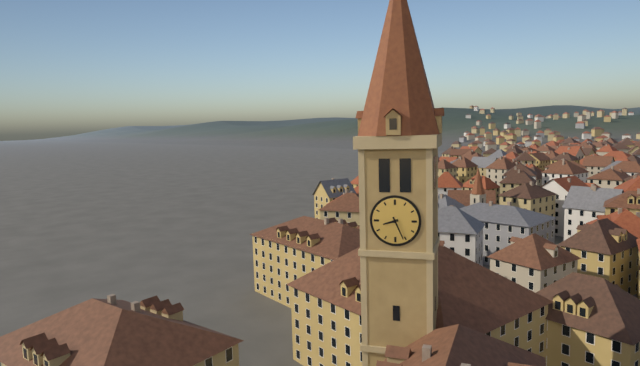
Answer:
**8:26**
